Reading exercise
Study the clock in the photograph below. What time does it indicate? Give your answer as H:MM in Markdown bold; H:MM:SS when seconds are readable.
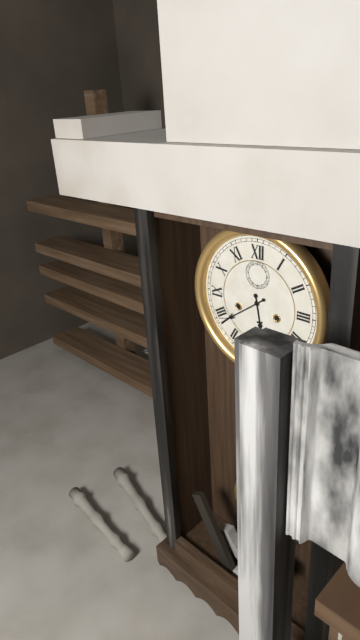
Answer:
**5:39**
